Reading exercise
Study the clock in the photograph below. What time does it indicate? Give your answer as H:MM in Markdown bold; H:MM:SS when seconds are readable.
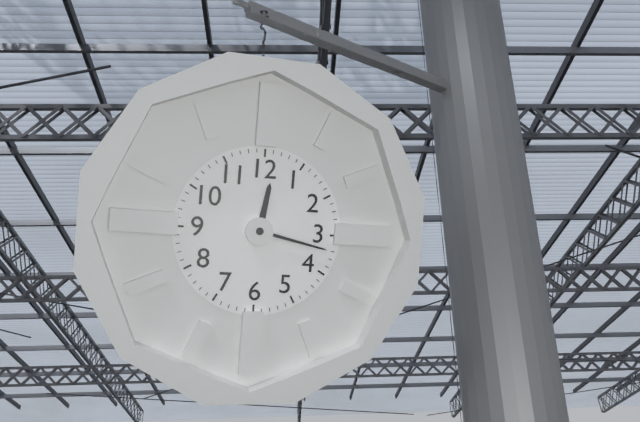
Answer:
**12:17**
